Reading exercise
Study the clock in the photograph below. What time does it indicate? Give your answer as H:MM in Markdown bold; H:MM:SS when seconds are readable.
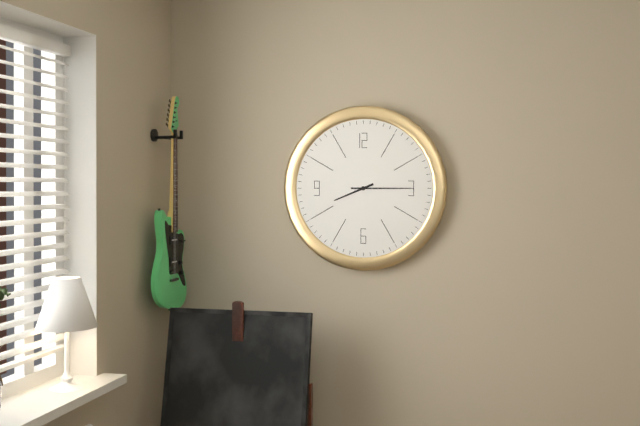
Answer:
**8:15**
